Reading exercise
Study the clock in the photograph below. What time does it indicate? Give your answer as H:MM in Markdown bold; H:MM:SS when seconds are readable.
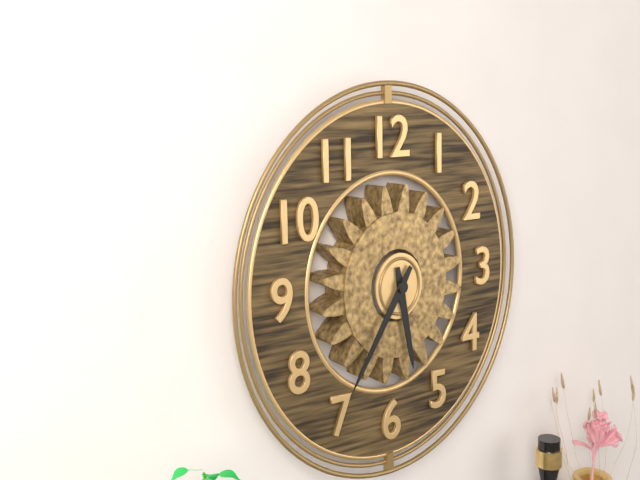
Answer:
**5:36**
